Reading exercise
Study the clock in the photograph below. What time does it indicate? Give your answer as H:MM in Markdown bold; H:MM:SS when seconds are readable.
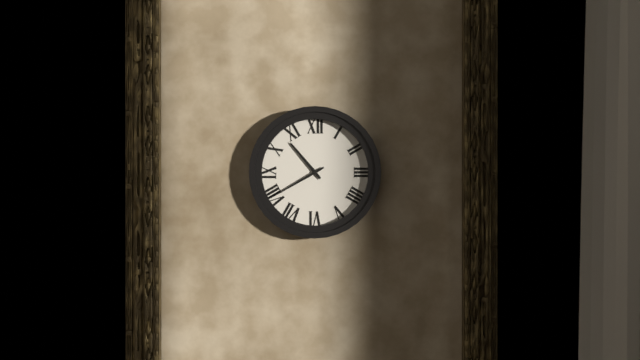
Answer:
**10:40**
